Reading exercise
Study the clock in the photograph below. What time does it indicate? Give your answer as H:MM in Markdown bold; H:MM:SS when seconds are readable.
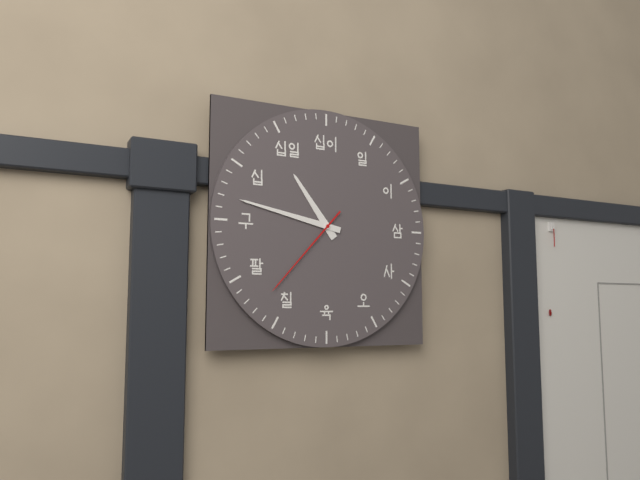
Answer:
**10:47:37**
